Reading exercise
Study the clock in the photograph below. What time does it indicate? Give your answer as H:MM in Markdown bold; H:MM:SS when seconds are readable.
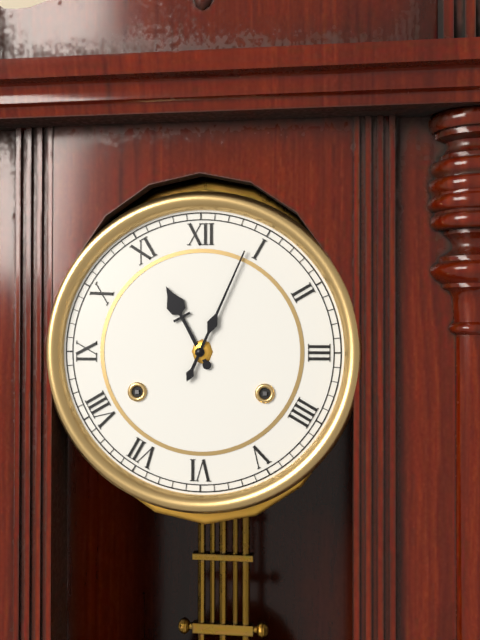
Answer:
**11:04**
